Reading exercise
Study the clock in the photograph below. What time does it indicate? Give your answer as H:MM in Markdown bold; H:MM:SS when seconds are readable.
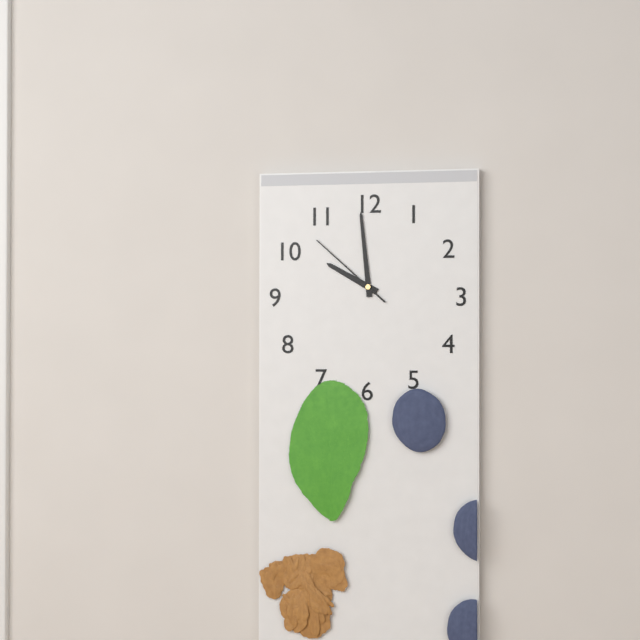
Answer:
**9:59:52**
